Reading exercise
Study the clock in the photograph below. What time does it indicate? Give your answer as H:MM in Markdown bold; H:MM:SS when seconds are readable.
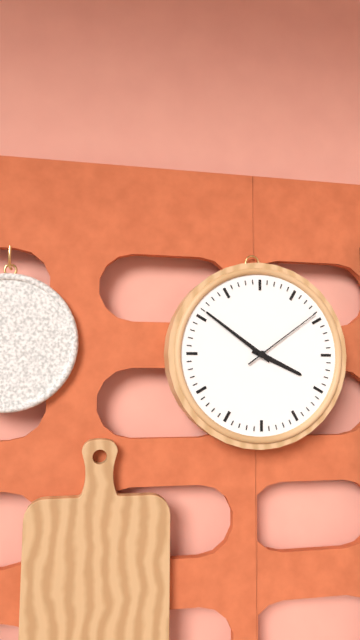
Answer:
**3:51:09**
